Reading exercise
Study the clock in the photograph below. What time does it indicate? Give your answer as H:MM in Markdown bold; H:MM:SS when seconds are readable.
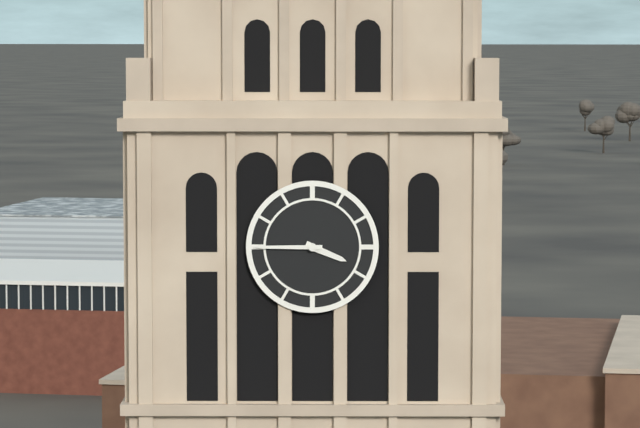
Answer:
**3:45**
